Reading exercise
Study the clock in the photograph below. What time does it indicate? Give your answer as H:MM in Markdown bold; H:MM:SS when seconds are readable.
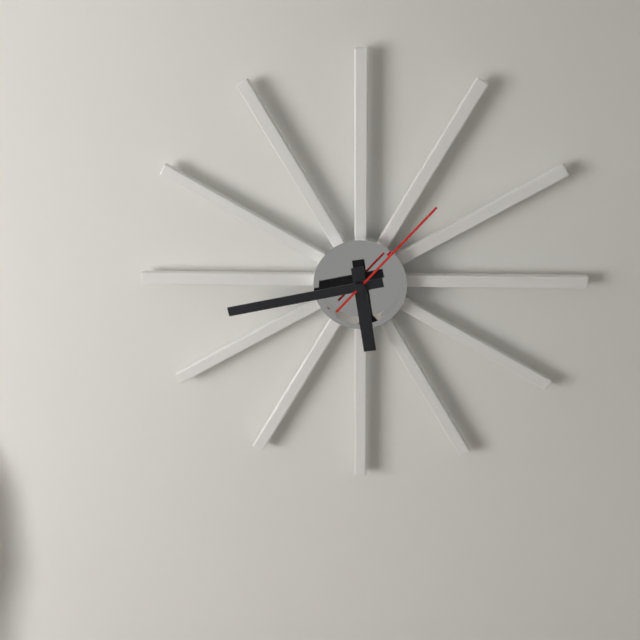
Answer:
**5:43:07**
